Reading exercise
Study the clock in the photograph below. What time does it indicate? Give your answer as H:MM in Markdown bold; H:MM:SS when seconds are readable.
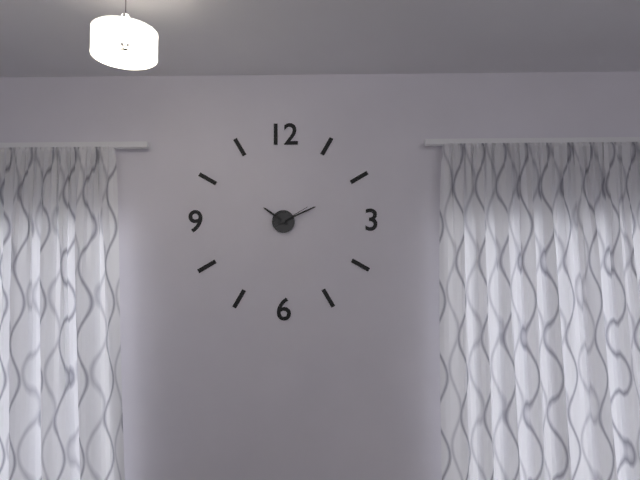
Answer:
**10:11**
